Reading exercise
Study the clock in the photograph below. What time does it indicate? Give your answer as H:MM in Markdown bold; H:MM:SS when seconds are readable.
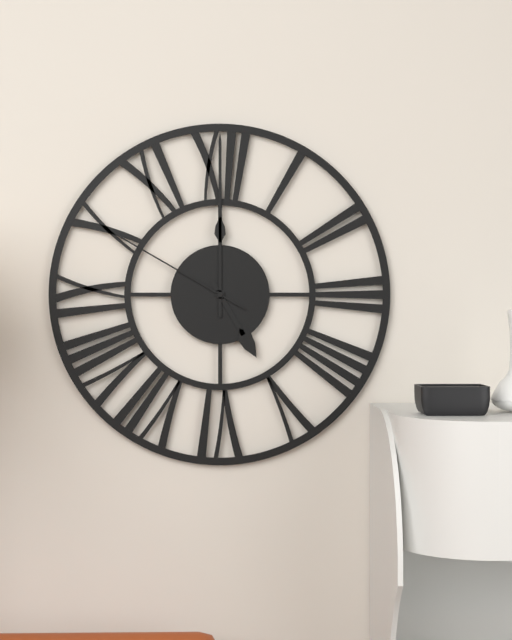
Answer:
**5:00:50**
